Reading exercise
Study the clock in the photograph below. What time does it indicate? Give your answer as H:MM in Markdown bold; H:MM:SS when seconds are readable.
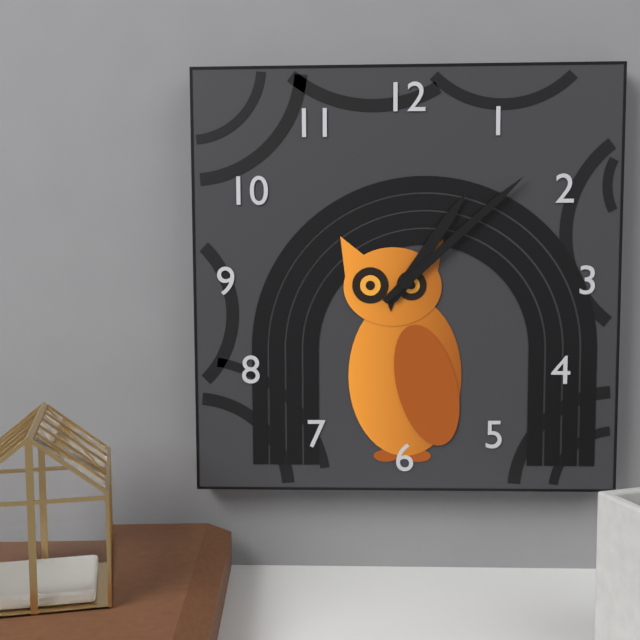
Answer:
**1:08**
